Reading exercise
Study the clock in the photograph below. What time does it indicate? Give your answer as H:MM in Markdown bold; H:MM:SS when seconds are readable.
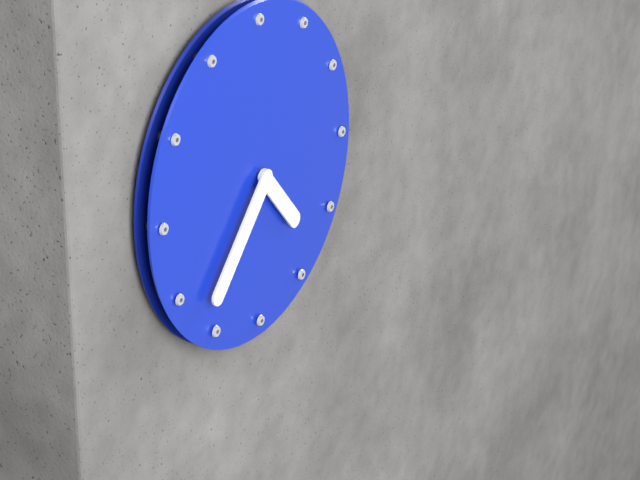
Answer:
**4:37**
